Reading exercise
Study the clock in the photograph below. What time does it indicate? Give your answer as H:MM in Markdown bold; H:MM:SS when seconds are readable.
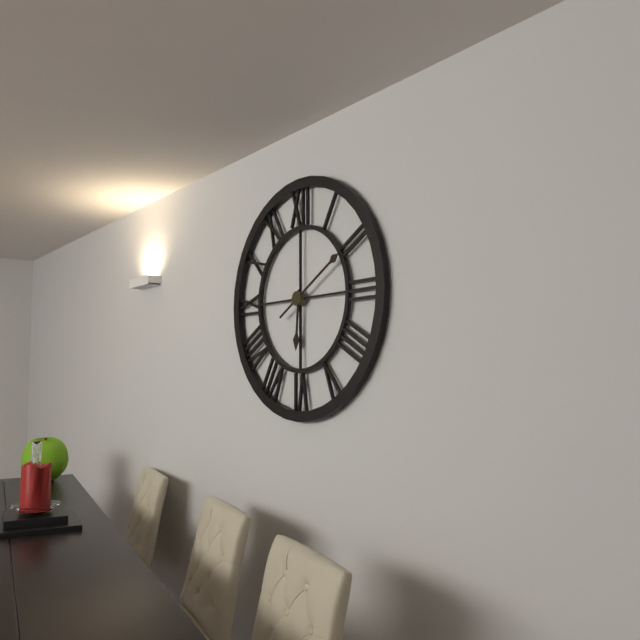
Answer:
**6:10**
